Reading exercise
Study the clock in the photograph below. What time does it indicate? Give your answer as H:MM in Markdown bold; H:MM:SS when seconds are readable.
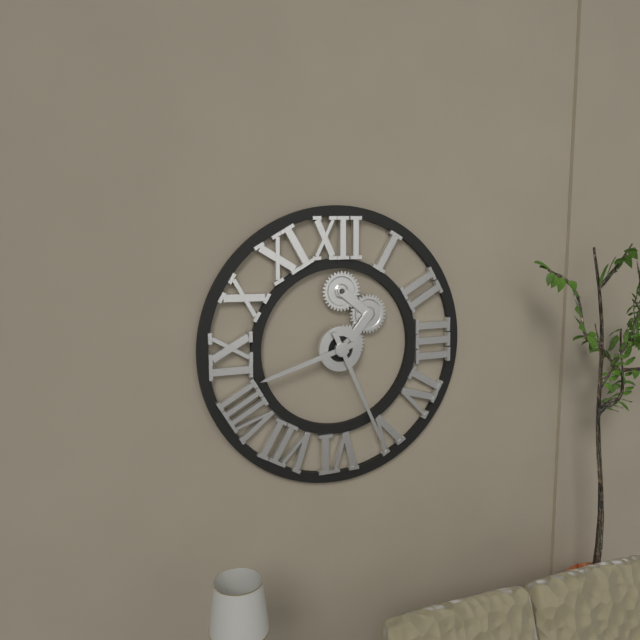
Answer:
**8:26**
